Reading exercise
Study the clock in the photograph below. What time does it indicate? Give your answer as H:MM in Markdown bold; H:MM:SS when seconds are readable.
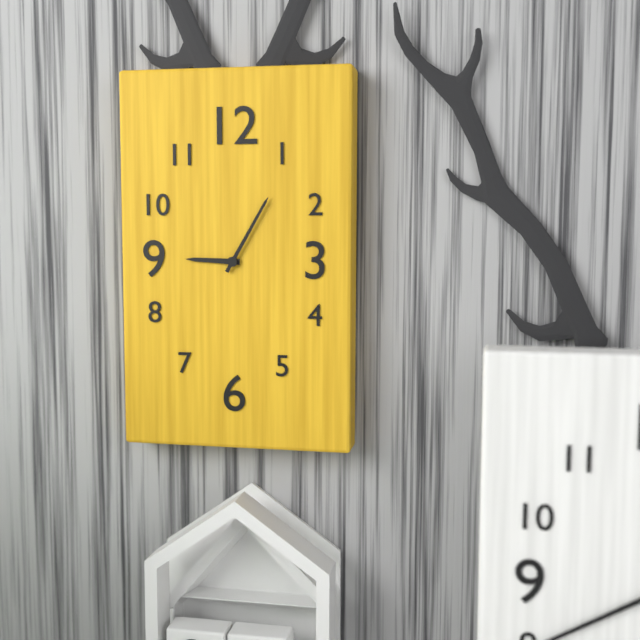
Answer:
**9:05**
